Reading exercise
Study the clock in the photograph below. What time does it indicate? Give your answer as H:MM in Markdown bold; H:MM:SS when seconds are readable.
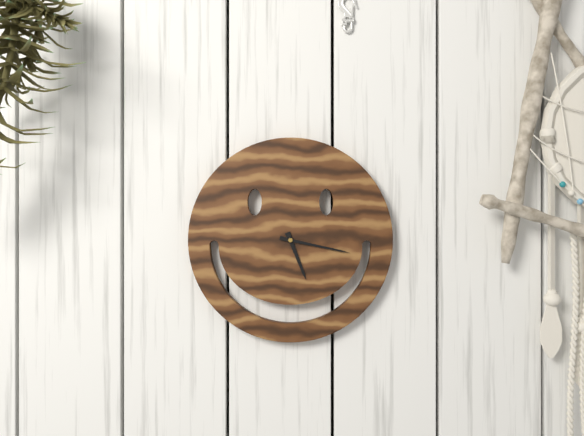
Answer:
**5:17**
